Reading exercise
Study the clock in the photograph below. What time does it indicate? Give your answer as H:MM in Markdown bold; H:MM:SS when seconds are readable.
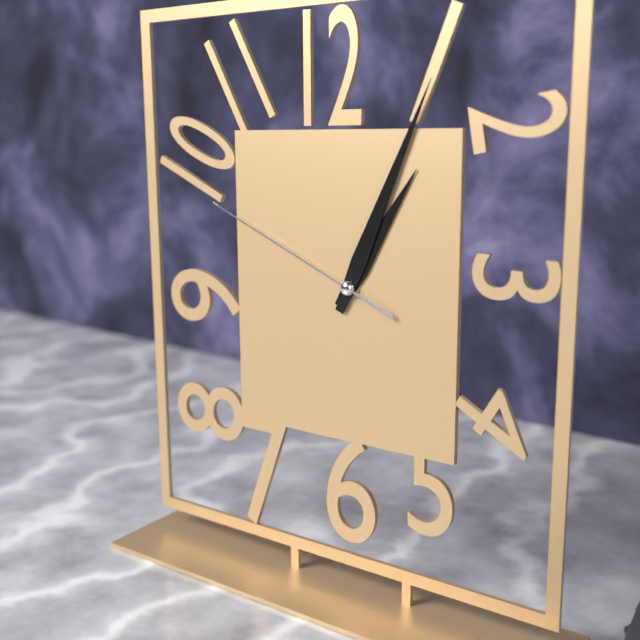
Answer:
**1:04:49**
